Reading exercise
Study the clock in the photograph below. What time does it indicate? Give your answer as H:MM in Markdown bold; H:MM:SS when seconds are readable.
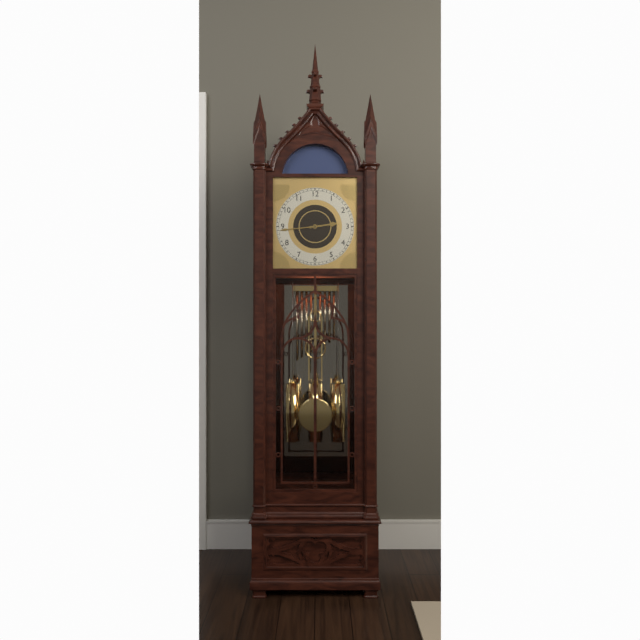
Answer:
**2:44**
